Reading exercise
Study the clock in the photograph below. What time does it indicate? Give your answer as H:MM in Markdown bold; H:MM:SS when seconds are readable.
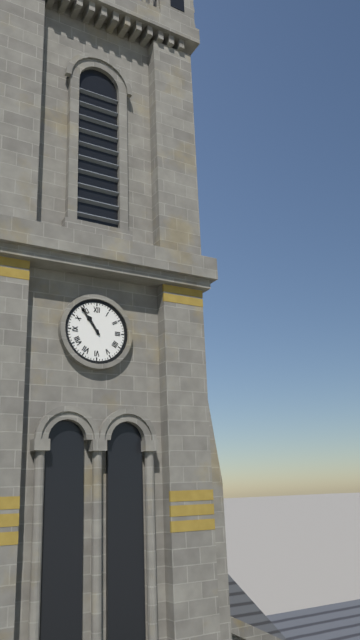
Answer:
**10:54**
